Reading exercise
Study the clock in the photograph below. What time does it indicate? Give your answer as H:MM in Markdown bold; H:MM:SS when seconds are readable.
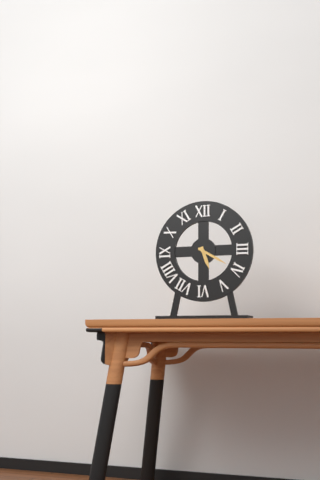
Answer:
**5:20**
